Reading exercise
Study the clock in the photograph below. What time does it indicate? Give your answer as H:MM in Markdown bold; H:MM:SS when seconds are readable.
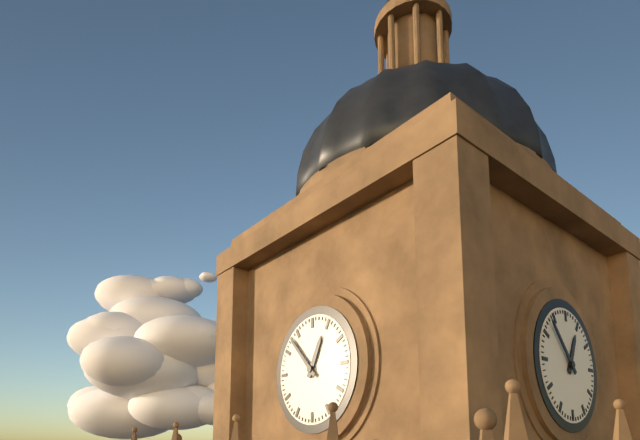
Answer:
**12:53**
